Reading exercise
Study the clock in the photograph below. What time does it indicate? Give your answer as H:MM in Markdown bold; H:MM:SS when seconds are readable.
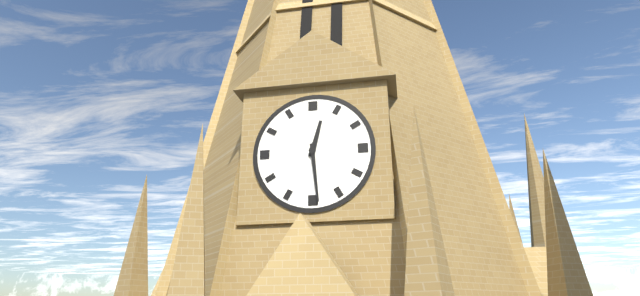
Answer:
**12:29**
